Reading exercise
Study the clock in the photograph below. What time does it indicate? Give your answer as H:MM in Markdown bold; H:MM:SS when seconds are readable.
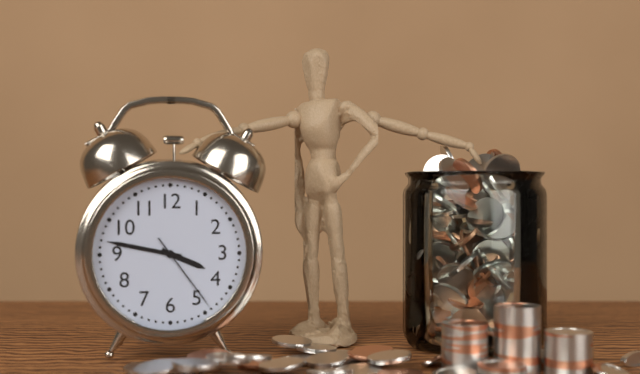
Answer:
**3:47:24**
